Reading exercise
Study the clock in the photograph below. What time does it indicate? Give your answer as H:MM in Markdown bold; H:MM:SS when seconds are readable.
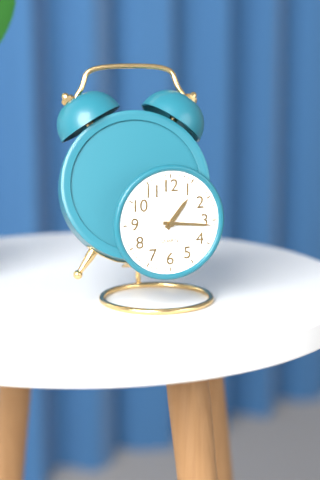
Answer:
**1:16**
